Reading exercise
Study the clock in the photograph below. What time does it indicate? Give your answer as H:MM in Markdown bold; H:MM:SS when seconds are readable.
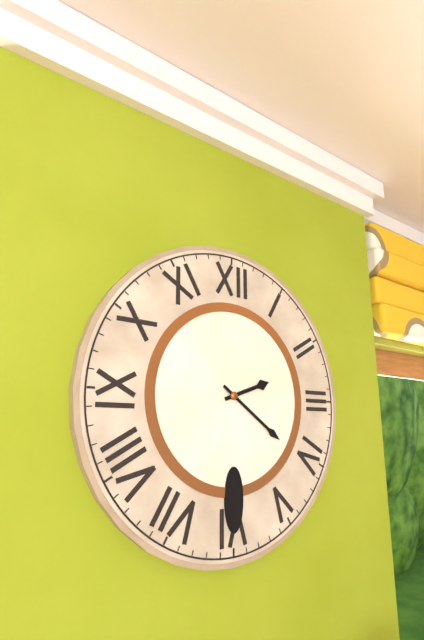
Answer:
**2:21**
